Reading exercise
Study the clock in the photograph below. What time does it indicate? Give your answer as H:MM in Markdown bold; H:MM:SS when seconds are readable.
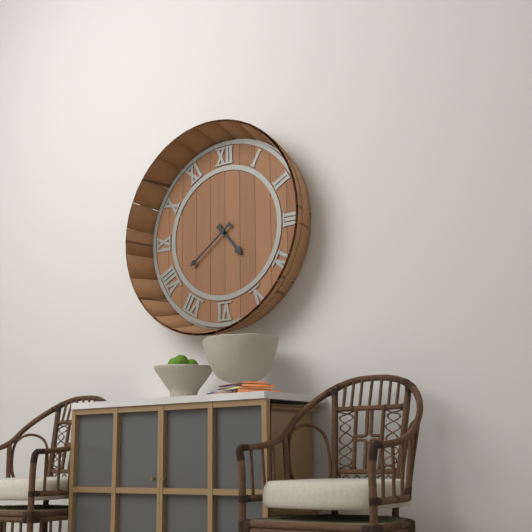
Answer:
**4:39**
